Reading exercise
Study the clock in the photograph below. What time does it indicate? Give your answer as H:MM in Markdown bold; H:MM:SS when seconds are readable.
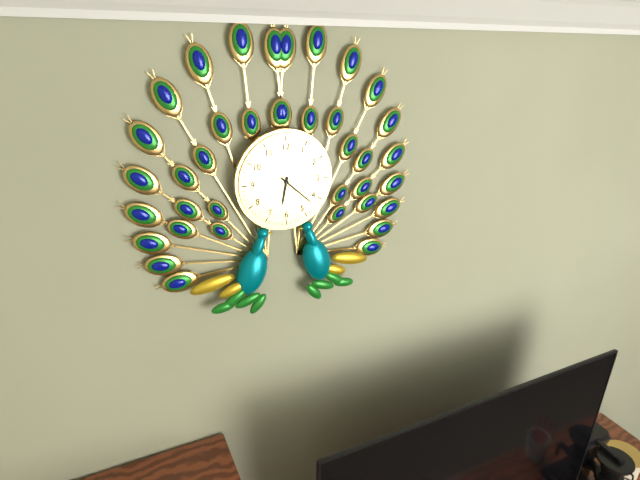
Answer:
**6:22**
